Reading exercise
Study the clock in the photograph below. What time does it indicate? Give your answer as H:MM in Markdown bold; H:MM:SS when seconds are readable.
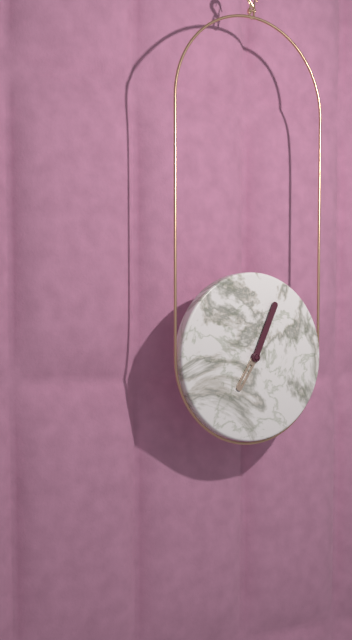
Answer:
**7:04**
